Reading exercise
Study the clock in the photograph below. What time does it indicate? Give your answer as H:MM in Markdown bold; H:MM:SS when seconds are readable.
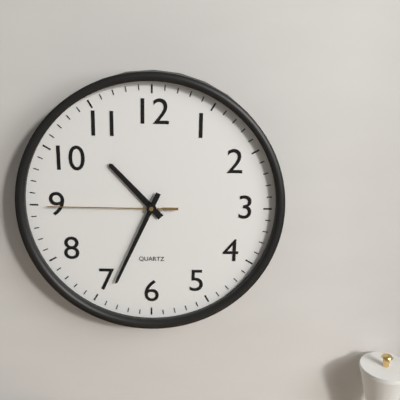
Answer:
**10:34:45**
